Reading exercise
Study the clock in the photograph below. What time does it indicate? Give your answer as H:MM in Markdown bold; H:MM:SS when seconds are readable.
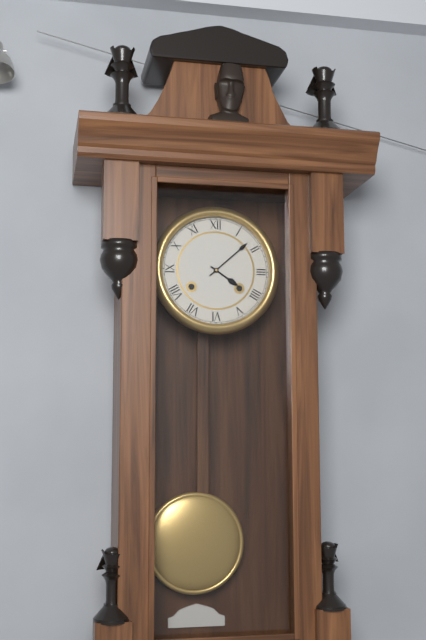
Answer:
**4:08**
